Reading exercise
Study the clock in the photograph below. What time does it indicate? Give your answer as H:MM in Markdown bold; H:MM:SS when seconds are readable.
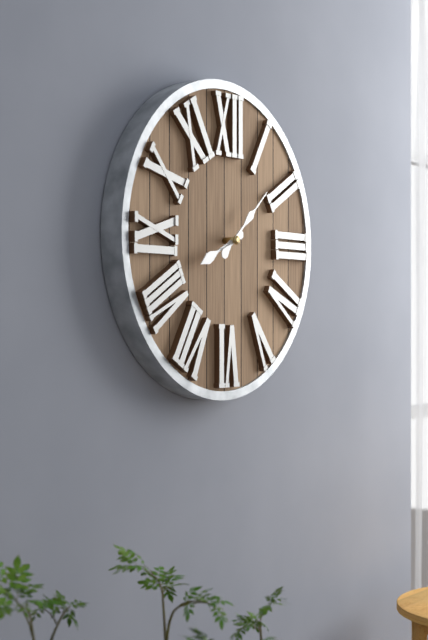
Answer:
**8:08**
